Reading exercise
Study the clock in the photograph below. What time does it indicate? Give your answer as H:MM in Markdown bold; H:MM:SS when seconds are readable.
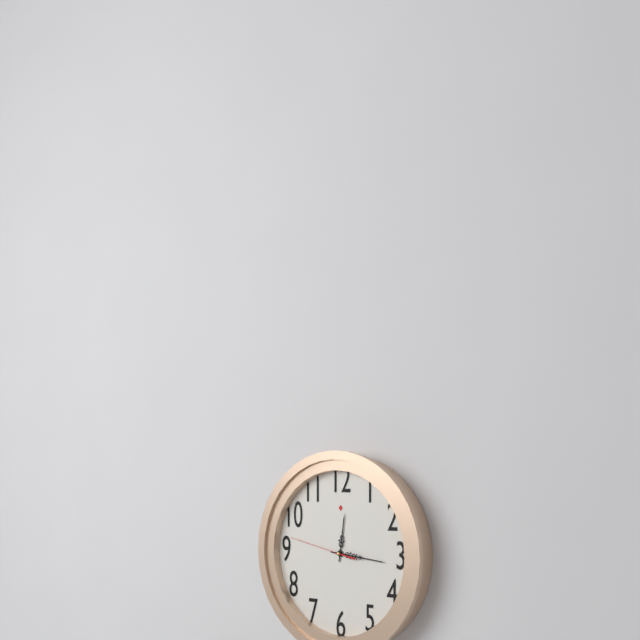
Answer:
**12:16:47**
